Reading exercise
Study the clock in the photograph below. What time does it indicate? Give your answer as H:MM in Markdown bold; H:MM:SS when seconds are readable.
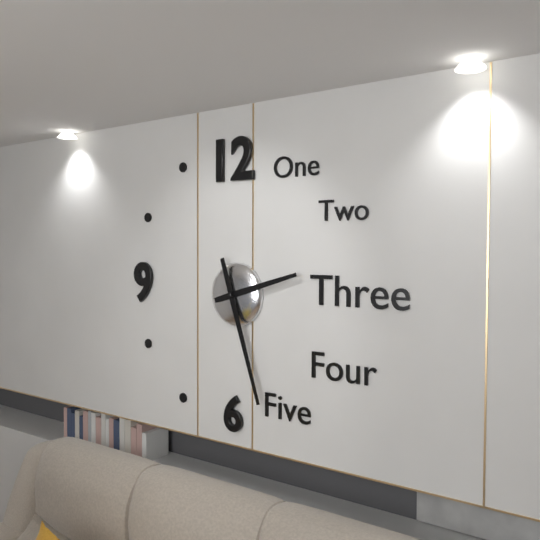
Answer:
**2:27**
